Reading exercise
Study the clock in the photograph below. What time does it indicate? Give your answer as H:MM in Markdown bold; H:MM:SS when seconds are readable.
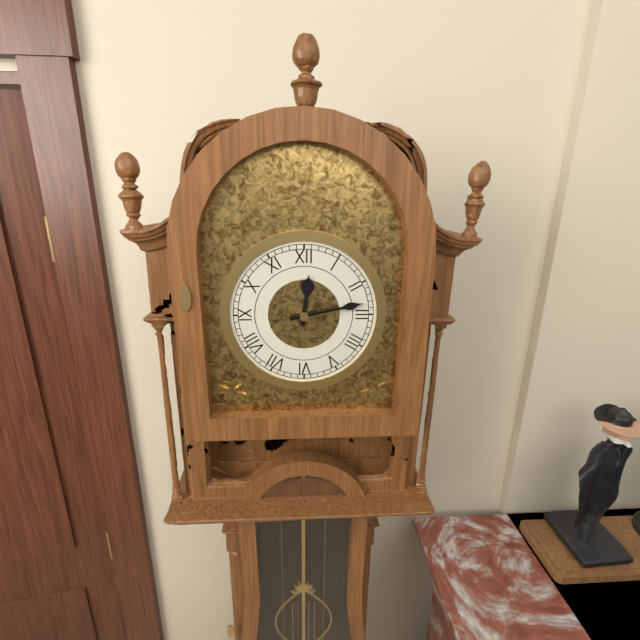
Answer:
**12:13**
